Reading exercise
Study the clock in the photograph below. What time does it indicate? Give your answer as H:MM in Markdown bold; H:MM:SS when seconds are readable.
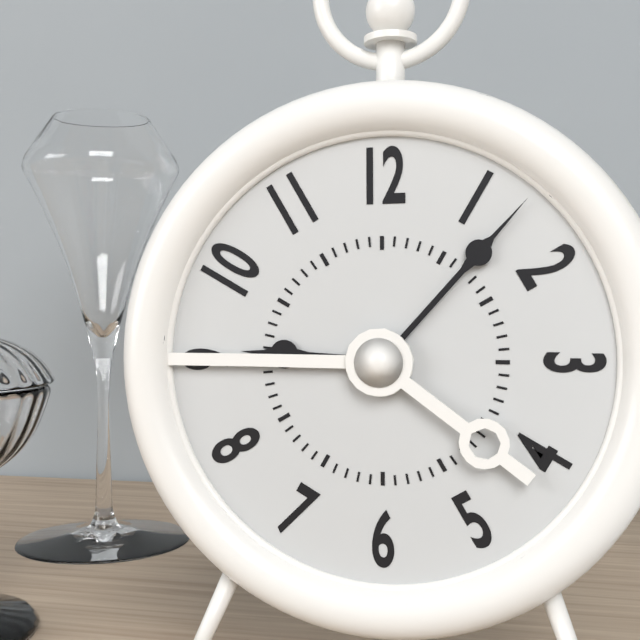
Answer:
**9:07**
